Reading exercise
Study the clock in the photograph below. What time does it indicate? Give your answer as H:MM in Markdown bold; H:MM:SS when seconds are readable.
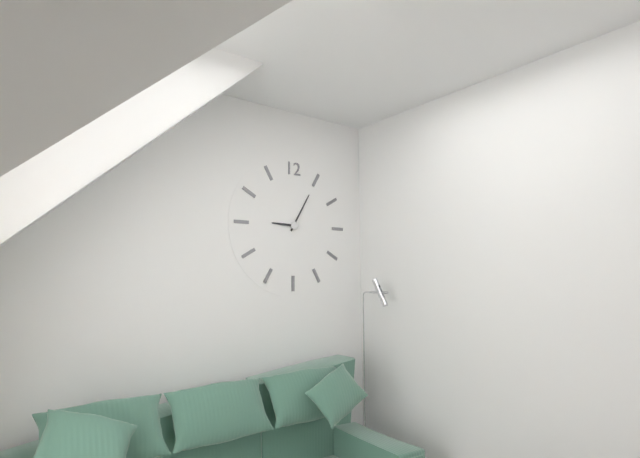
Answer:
**9:05**
